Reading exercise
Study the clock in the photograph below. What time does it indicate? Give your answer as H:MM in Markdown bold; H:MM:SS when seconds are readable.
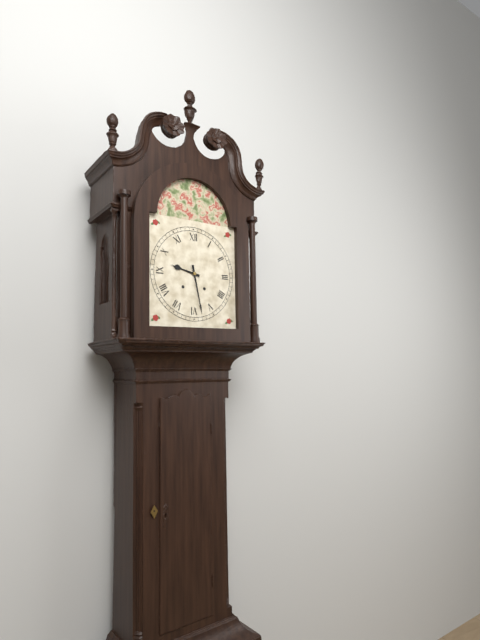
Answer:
**9:28**
